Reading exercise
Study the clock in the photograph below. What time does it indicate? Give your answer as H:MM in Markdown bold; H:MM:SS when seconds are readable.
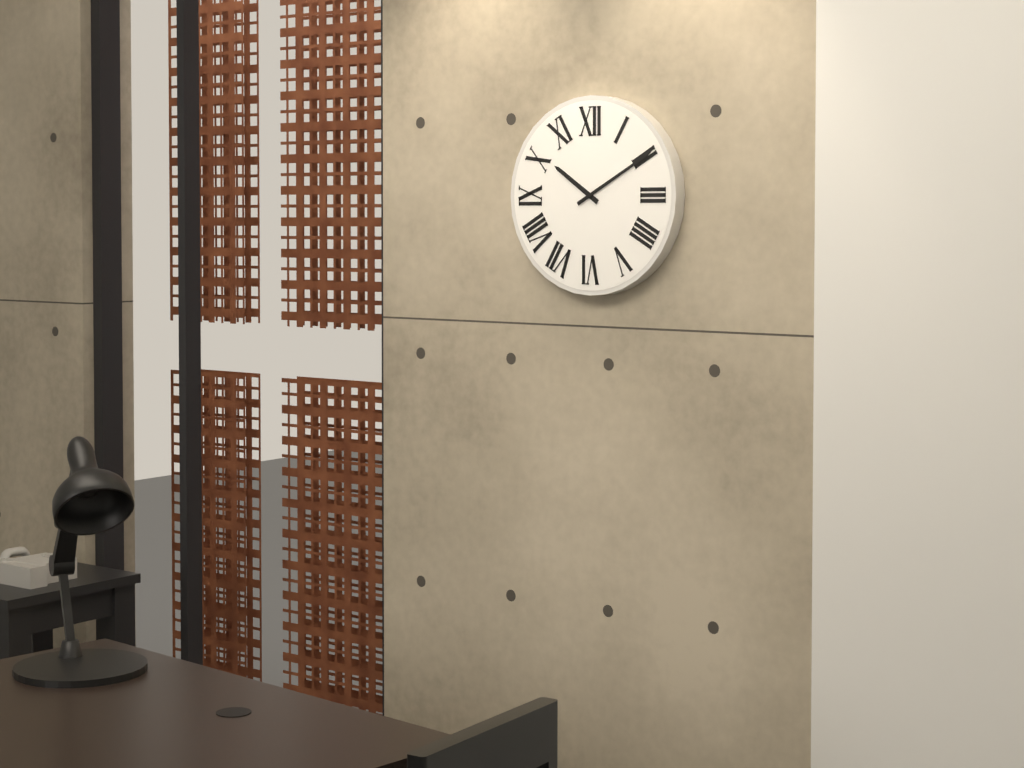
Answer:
**10:10**
